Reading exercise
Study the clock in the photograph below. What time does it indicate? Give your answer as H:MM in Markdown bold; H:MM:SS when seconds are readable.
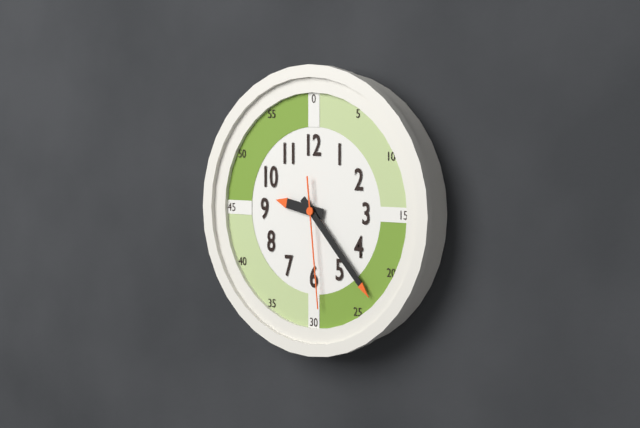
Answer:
**9:23:29**
